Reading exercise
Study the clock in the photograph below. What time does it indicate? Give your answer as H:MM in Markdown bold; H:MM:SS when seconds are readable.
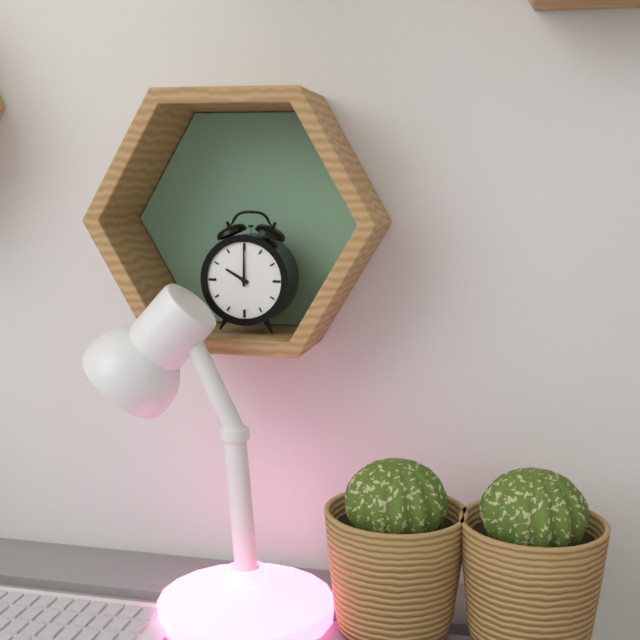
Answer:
**10:00**
